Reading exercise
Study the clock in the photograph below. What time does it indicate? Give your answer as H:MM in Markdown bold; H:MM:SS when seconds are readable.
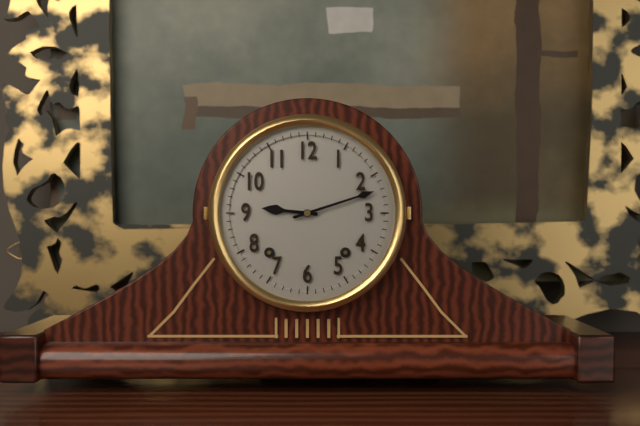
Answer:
**9:12**
